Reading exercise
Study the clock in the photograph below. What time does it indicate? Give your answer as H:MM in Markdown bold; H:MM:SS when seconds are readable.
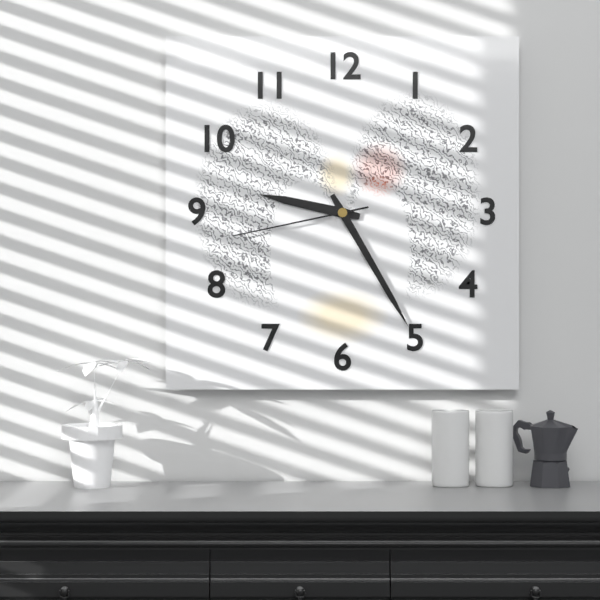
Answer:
**9:25:43**
